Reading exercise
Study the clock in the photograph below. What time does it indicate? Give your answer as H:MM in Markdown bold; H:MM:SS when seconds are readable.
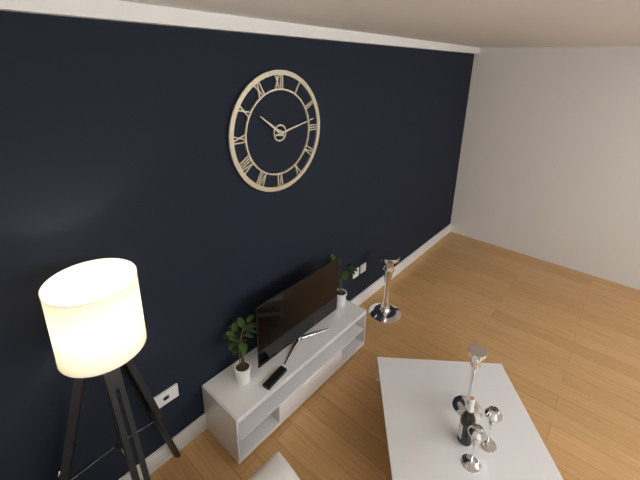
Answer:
**10:13**
